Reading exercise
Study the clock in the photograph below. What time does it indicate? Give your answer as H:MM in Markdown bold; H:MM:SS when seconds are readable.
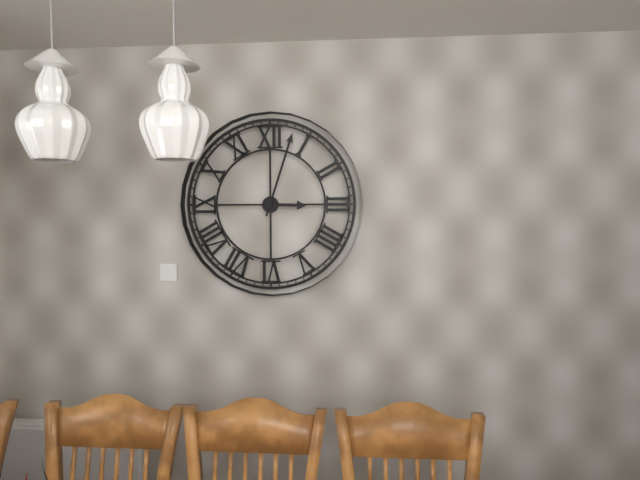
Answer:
**3:03**
